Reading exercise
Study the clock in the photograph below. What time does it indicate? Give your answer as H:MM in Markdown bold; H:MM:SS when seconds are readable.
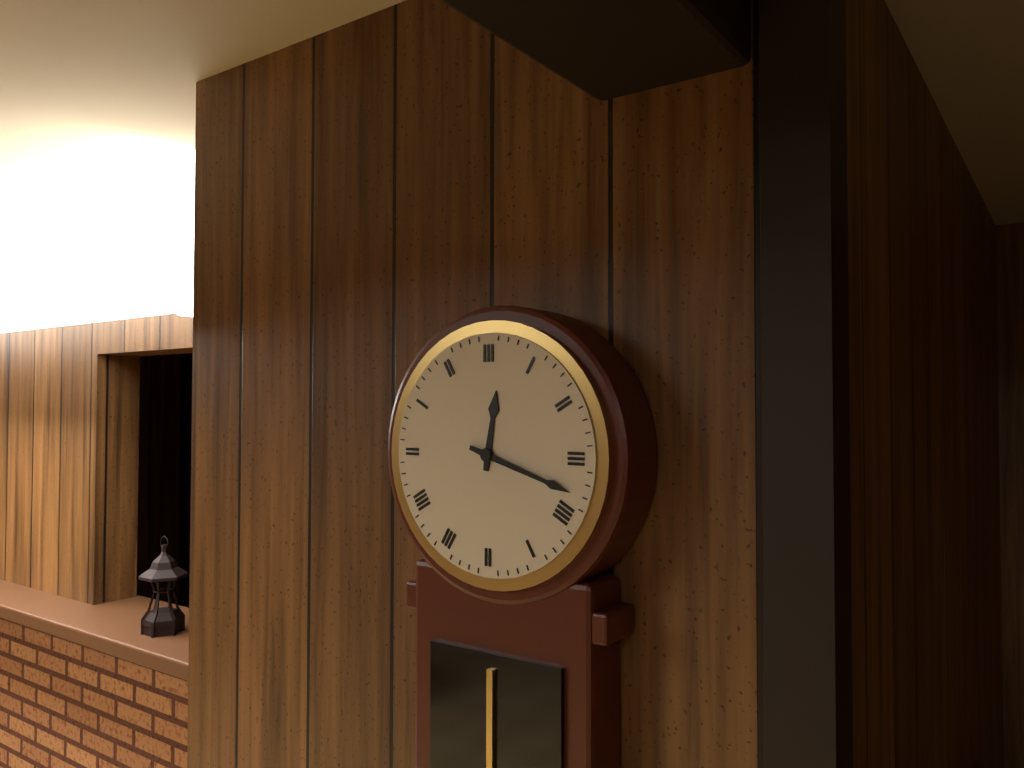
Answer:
**12:18**
